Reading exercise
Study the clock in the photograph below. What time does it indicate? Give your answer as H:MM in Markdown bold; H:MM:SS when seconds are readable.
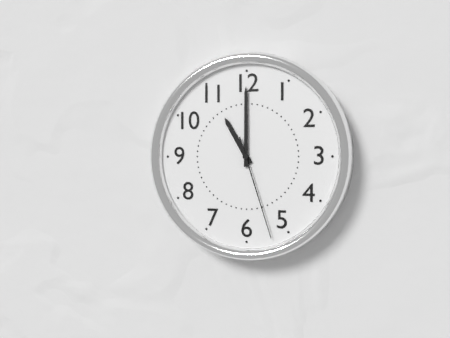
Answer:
**11:00:27**
